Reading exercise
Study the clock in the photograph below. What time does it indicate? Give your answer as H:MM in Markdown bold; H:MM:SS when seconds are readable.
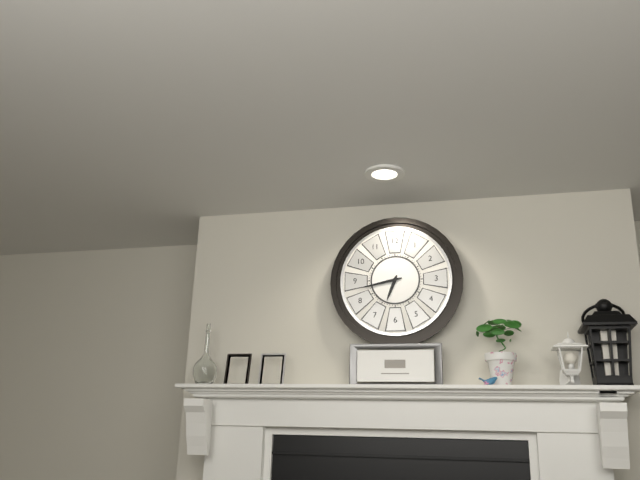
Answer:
**6:43**
